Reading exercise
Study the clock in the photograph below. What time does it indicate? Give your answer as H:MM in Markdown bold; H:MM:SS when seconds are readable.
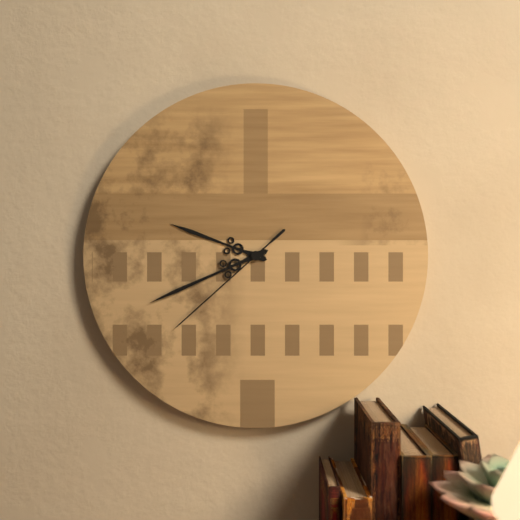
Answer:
**9:41:38**
